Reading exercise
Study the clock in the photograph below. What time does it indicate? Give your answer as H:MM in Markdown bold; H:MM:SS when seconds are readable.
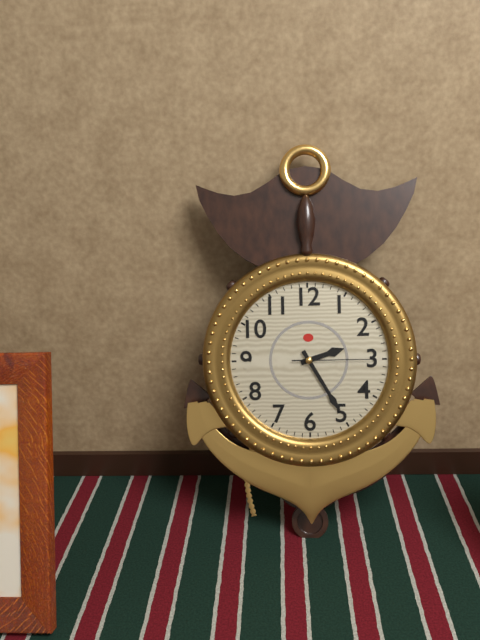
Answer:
**2:25:15**
